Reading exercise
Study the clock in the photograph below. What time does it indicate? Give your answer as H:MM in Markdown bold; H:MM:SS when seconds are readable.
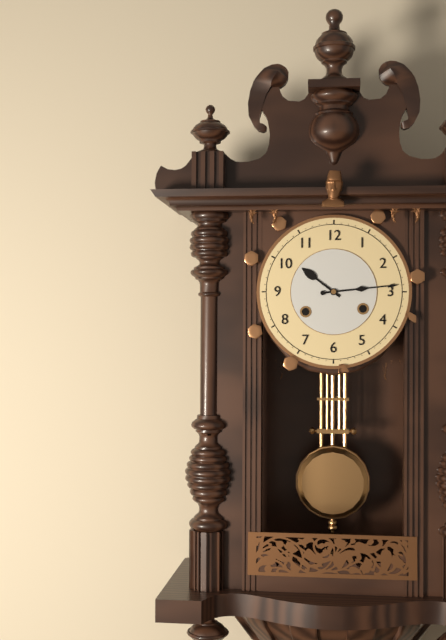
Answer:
**10:14**
